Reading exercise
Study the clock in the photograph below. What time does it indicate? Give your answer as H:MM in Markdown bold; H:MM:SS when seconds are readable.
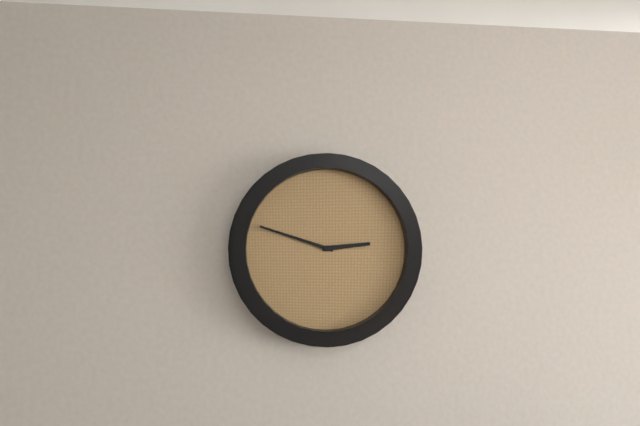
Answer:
**2:48**
